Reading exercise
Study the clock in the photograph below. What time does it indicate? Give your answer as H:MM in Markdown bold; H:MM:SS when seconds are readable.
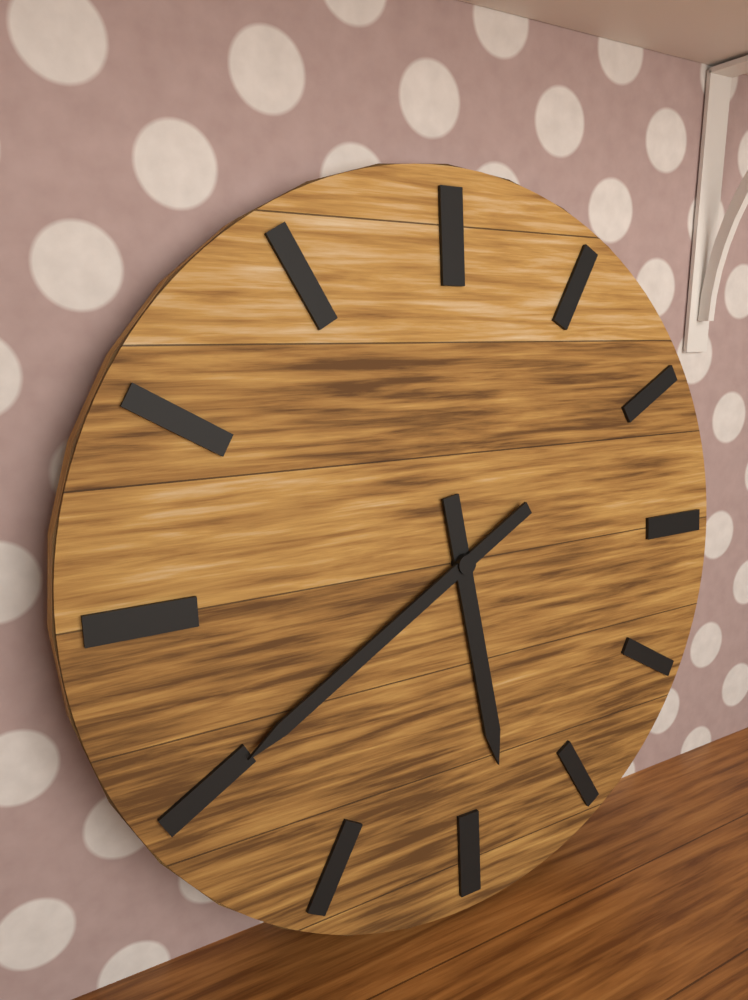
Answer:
**5:40**
